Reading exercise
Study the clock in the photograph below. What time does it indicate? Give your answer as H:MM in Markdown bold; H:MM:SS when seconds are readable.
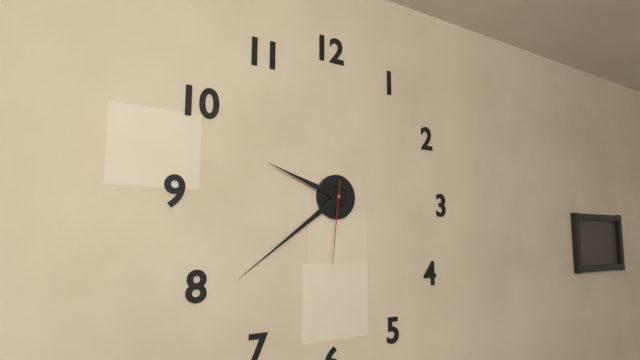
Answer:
**9:39:31**
